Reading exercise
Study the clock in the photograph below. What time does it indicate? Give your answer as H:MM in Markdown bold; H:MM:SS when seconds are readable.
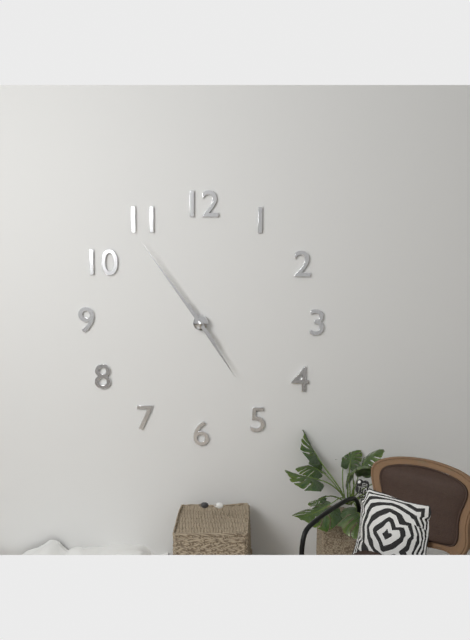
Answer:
**4:54**
